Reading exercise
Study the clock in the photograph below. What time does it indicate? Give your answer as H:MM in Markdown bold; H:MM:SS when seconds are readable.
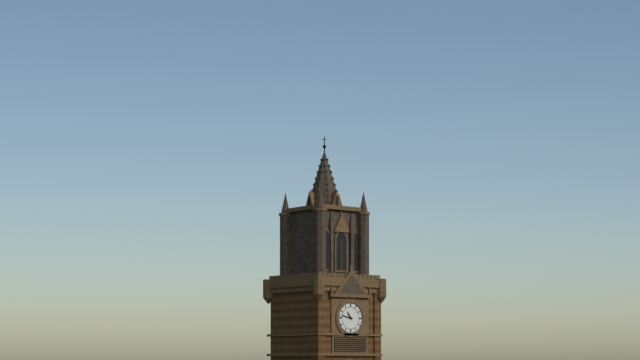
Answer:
**10:47**
